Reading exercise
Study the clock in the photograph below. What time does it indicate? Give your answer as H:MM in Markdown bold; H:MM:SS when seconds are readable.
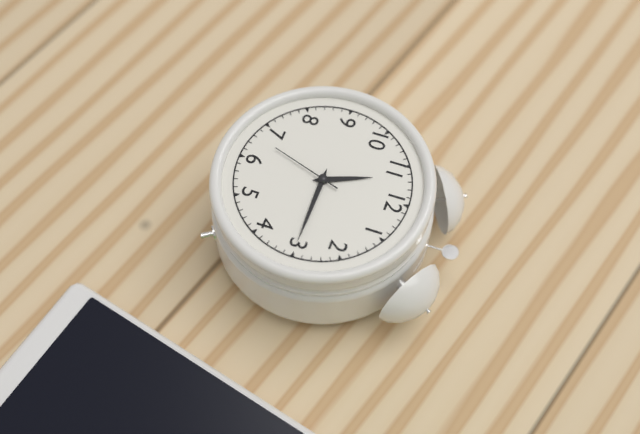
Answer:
**11:15:33**
